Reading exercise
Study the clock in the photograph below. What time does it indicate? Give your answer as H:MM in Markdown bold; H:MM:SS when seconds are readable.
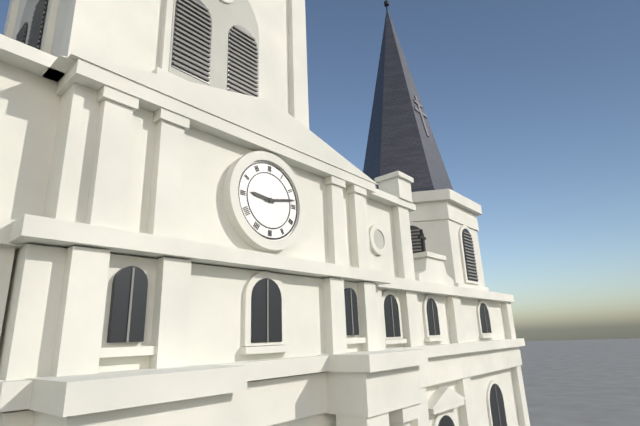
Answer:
**9:13**
